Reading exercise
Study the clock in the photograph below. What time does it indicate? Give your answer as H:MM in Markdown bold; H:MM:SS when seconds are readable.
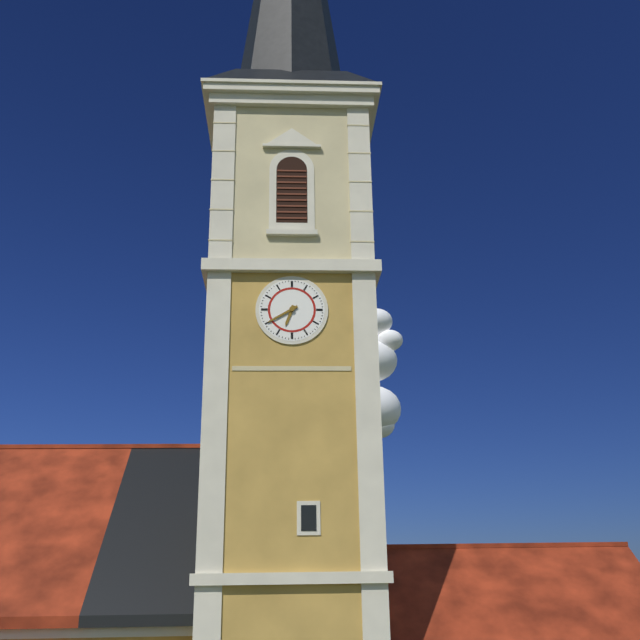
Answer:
**6:40**
